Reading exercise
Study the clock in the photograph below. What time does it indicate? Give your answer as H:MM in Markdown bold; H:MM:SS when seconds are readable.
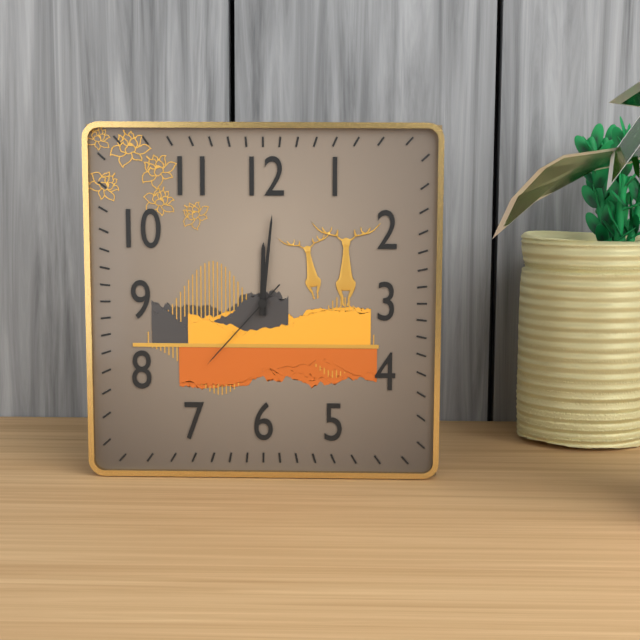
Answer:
**12:01:37**
